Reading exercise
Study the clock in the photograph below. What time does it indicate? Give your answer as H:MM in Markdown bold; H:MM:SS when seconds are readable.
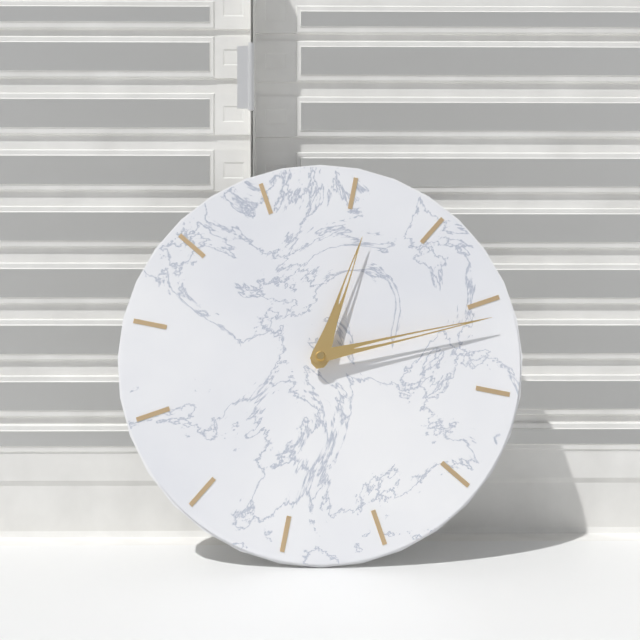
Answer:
**1:16**
